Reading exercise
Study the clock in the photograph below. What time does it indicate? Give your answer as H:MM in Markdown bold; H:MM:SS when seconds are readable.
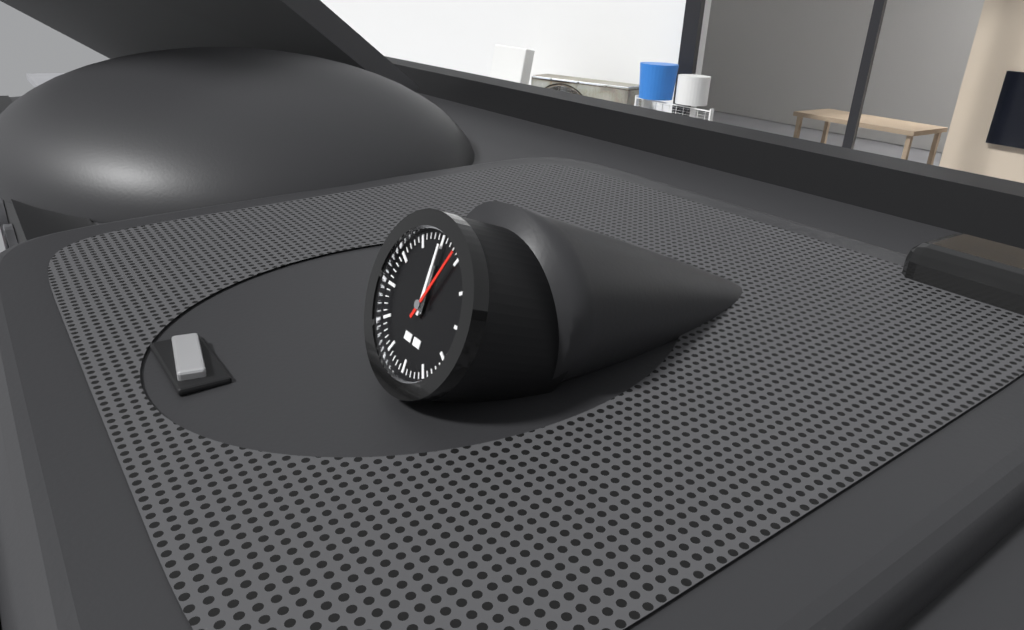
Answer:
**12:00:04**
